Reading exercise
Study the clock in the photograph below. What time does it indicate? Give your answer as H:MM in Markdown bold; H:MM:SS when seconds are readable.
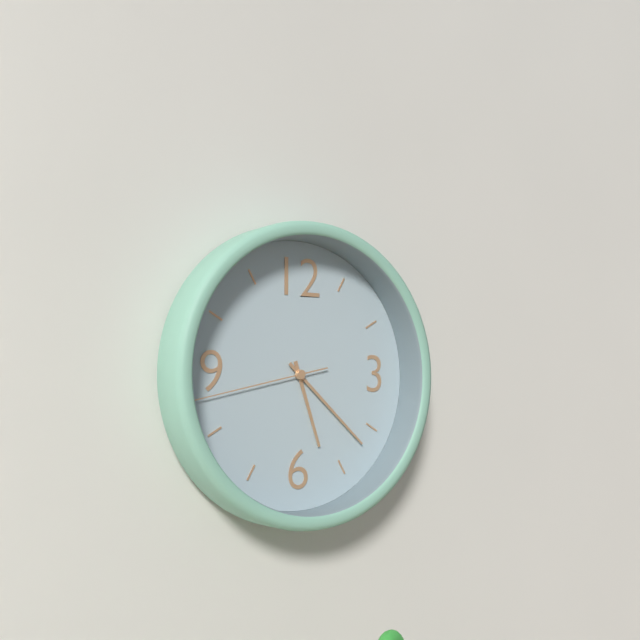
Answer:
**5:22:43**
